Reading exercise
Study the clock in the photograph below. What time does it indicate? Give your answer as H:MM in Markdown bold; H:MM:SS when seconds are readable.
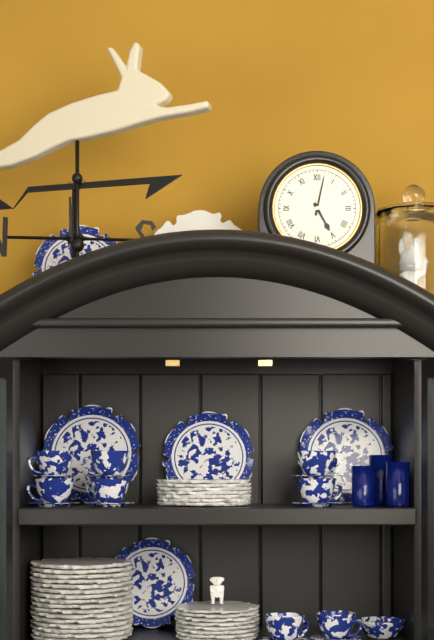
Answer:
**5:02**
